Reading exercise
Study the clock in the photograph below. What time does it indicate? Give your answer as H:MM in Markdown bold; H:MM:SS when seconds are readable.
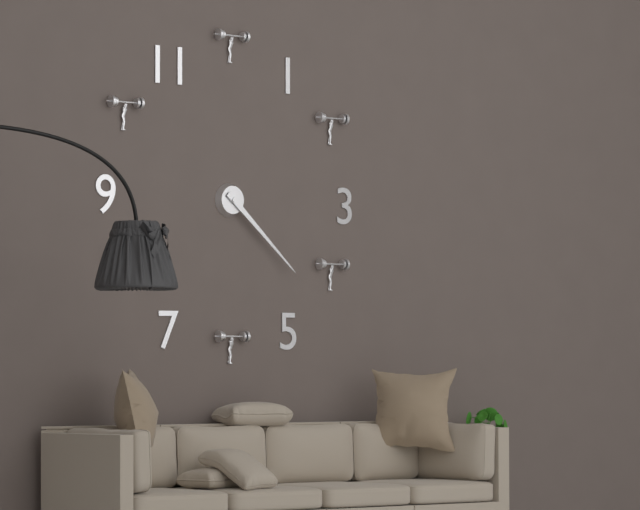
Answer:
**4:22**
